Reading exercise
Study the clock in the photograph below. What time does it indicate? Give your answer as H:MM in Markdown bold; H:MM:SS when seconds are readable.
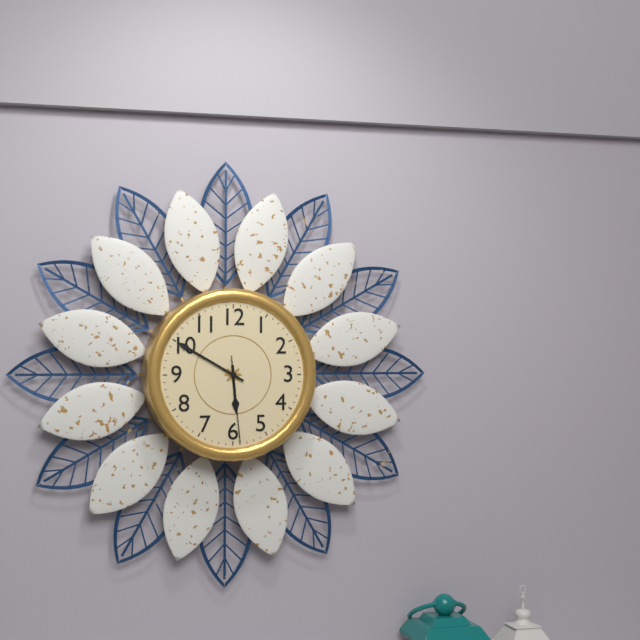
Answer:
**5:50:29**
